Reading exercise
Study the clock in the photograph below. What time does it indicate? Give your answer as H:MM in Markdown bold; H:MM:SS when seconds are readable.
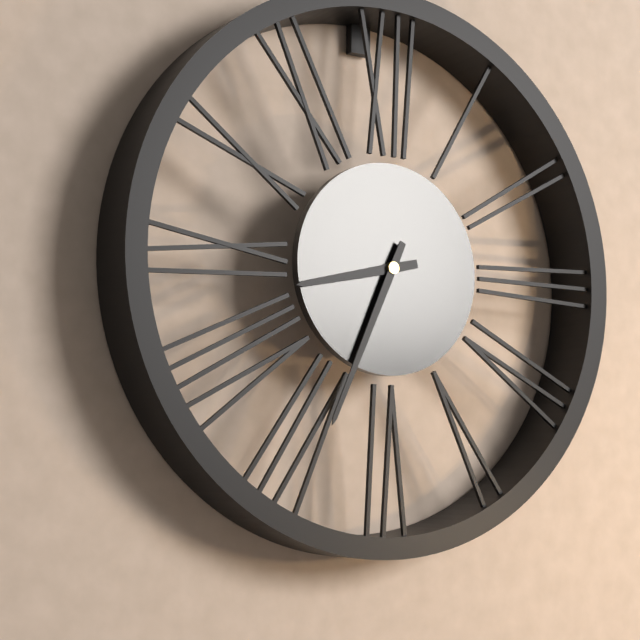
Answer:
**8:34**
